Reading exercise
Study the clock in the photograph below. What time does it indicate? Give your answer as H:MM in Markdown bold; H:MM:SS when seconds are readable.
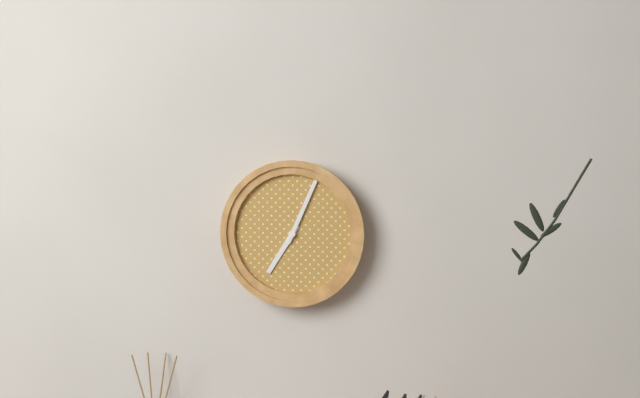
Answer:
**7:04**
